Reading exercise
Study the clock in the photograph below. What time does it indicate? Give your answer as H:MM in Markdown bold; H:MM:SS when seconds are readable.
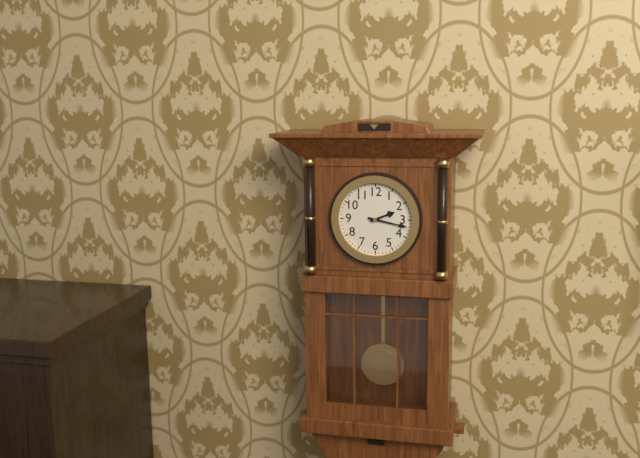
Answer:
**2:17**
